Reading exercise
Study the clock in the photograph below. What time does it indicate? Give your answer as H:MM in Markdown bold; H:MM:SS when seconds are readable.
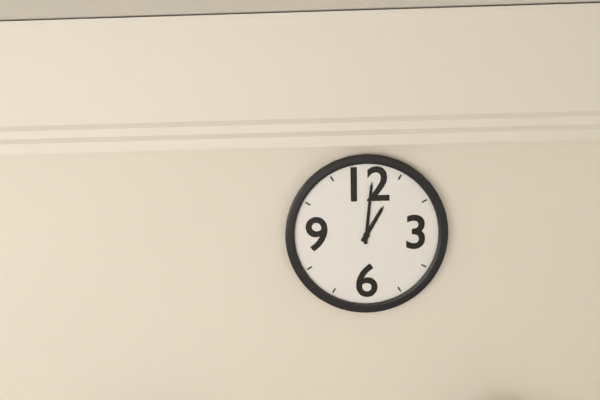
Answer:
**1:01**
